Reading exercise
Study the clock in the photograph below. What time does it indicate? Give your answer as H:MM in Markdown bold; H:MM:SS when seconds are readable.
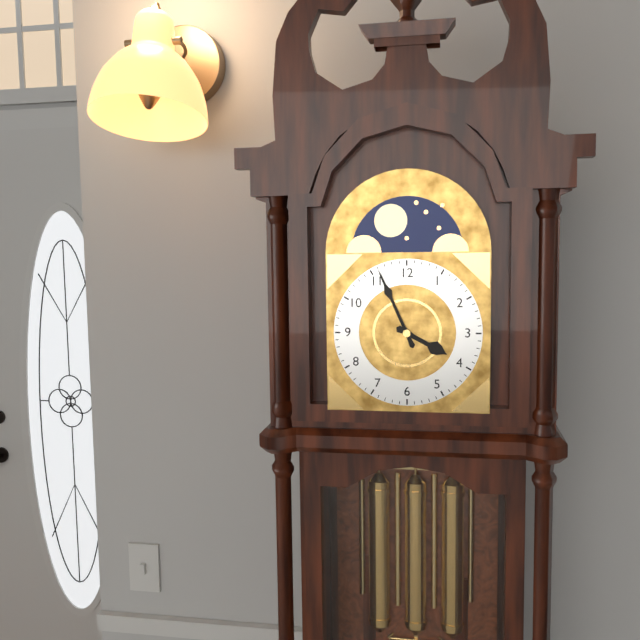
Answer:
**3:56**
